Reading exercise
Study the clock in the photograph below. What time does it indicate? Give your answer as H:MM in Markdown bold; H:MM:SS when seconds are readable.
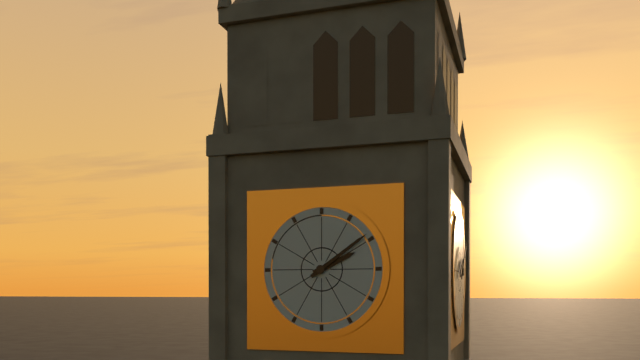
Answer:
**2:09**
